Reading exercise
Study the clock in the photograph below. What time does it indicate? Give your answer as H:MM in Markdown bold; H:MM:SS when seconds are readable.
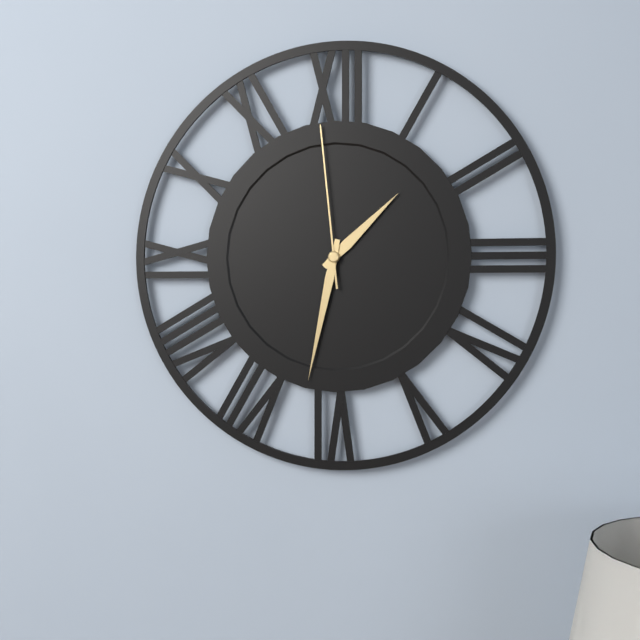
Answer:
**1:32:59**
